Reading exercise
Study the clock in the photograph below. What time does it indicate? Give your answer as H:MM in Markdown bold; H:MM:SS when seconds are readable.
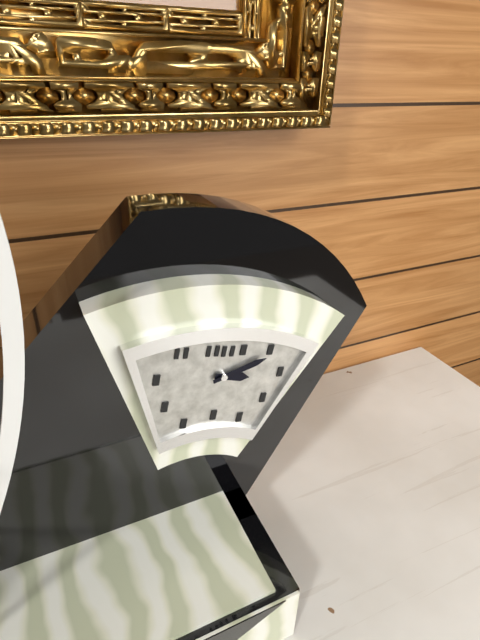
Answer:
**3:11**
